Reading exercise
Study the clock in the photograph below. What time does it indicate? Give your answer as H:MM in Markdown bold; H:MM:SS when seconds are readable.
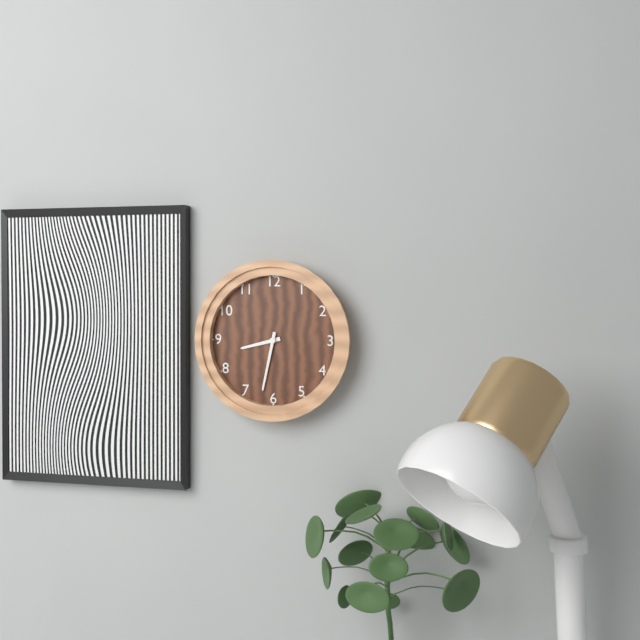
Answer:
**8:32**
